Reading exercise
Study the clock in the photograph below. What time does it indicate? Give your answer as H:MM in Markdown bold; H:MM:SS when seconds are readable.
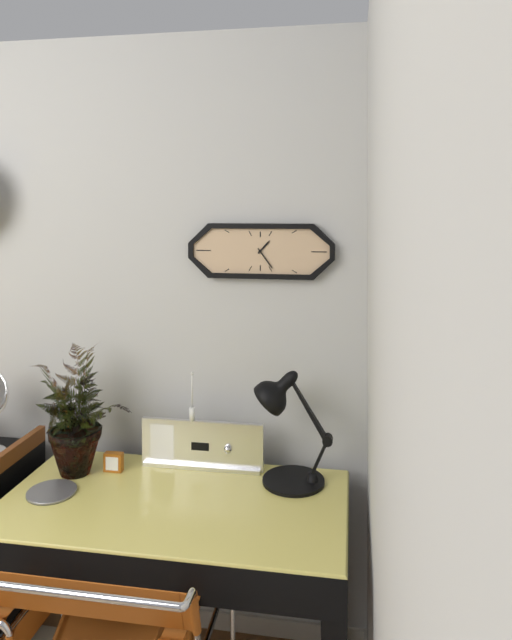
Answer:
**1:24**
